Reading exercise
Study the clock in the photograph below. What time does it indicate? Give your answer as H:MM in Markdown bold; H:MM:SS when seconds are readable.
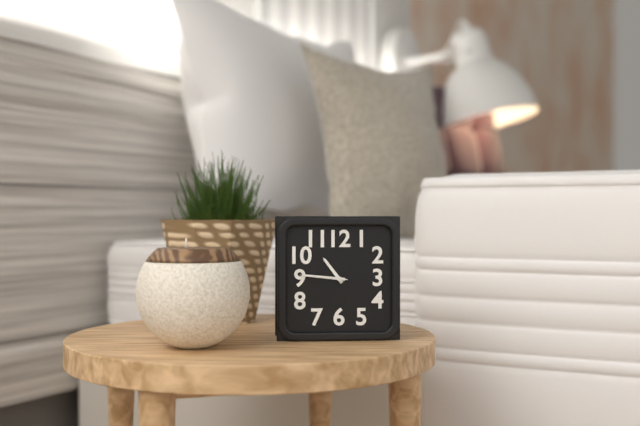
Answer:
**10:46:46**
